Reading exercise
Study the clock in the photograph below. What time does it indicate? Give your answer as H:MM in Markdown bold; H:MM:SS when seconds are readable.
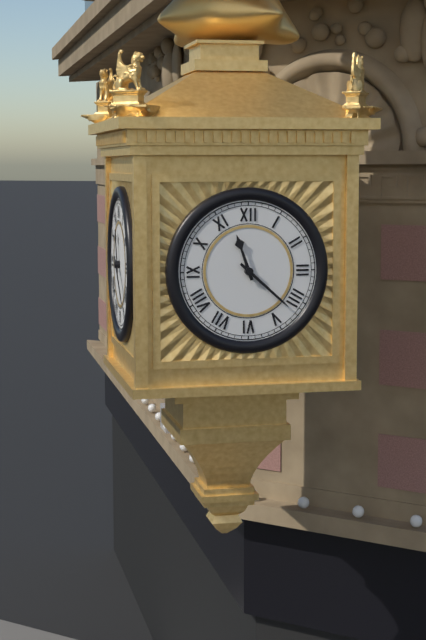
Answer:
**11:22**
